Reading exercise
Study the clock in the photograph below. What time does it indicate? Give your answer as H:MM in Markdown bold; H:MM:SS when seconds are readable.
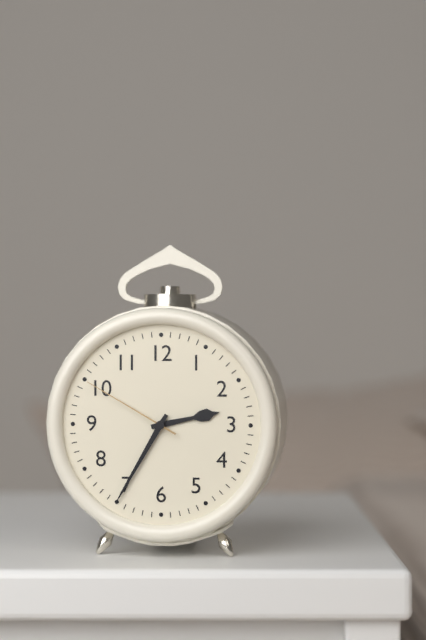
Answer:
**2:35:50**
